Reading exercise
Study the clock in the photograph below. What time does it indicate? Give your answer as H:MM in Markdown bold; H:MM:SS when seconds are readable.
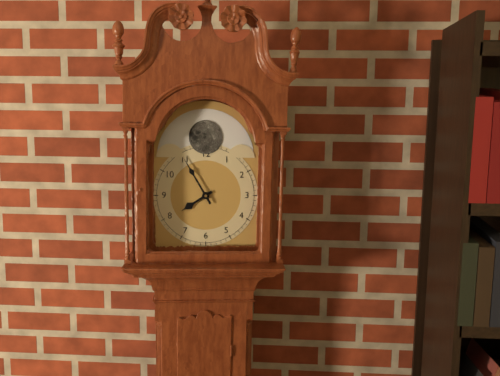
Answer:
**7:55**
